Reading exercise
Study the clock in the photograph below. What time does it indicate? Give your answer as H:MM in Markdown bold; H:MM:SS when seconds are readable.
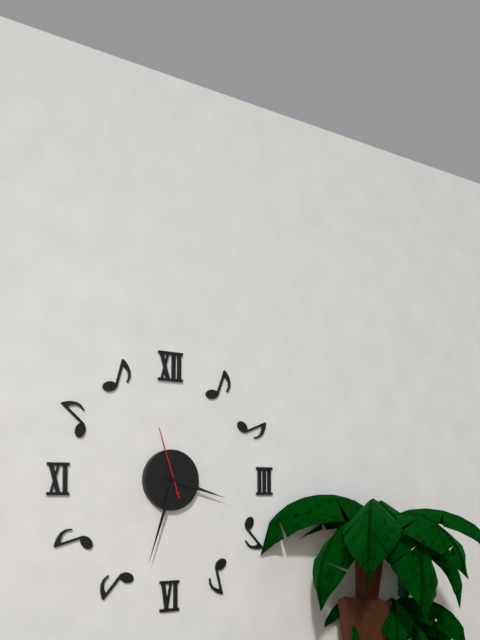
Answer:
**3:33:57**
